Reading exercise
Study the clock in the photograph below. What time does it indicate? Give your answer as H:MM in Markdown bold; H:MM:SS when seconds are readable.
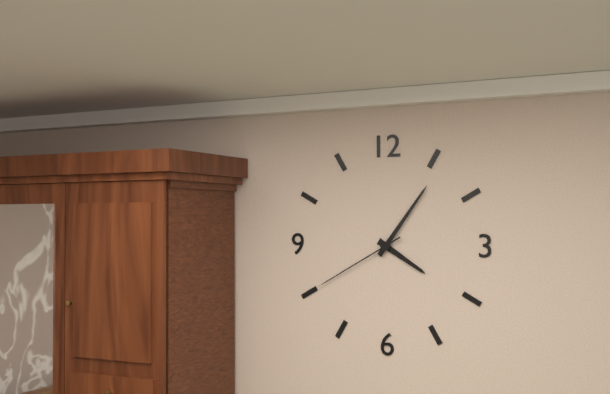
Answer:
**4:06:40**
